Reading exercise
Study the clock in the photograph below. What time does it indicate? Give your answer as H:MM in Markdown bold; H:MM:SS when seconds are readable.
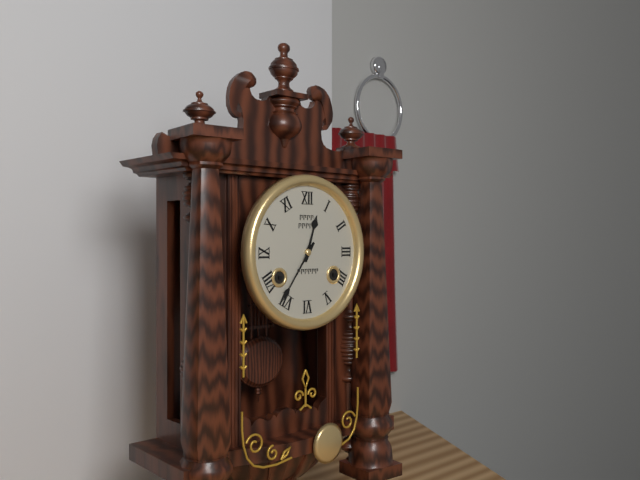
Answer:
**12:36**
